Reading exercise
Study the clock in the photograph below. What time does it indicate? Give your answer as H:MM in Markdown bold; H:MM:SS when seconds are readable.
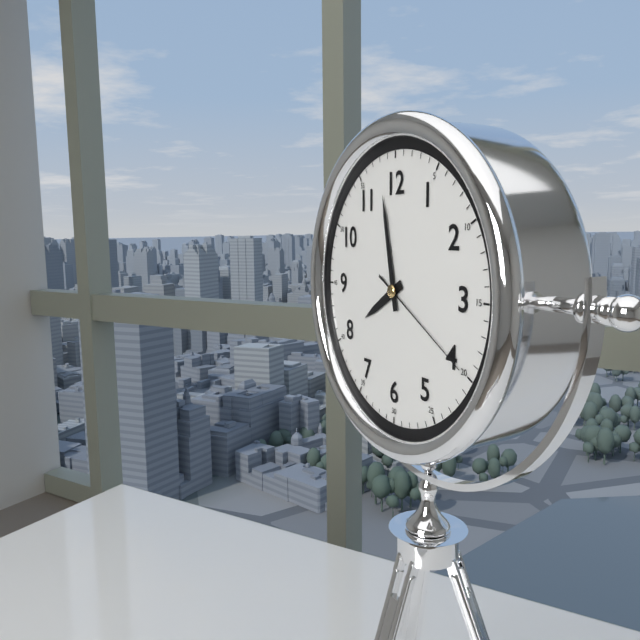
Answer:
**7:58:20**
